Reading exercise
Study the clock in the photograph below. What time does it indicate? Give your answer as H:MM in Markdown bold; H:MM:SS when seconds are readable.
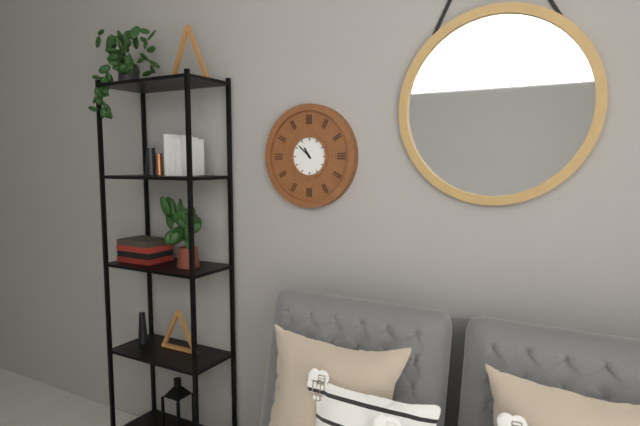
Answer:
**10:52**
